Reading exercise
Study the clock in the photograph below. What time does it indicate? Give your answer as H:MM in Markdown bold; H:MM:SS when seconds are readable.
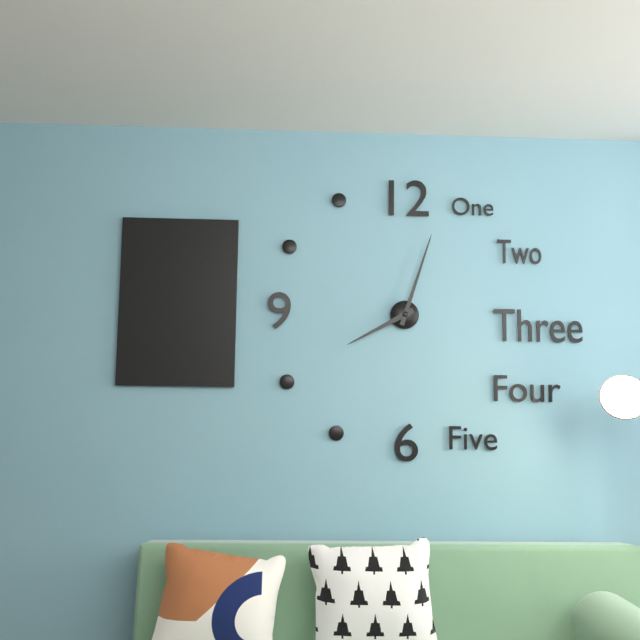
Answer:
**8:03**
